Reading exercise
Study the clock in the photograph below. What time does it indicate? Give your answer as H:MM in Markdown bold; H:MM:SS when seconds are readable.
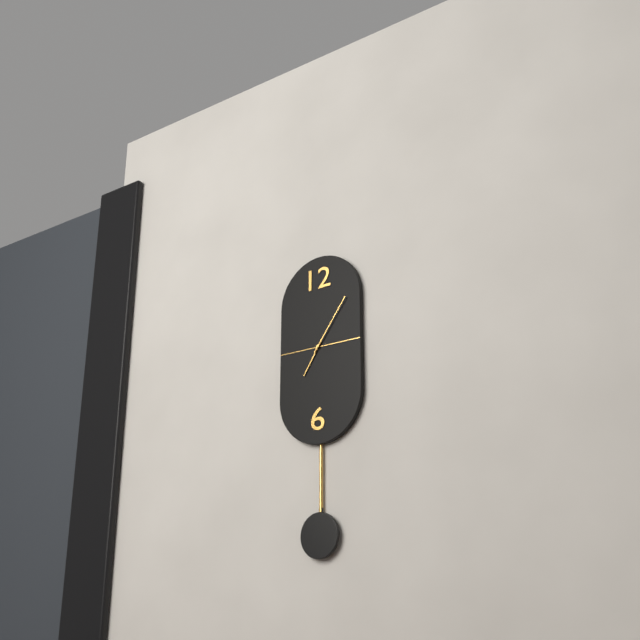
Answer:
**7:06**
